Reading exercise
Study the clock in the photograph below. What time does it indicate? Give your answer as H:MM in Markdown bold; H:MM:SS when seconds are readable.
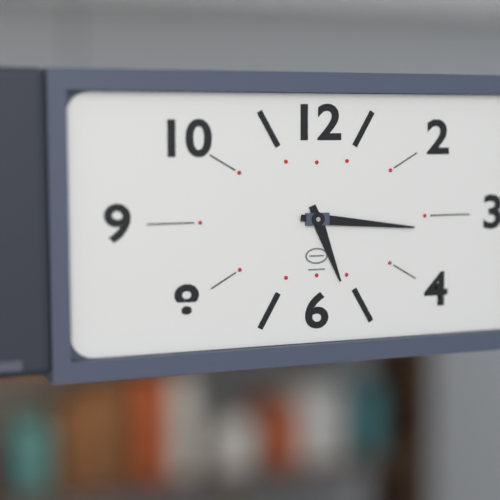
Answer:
**5:16**
